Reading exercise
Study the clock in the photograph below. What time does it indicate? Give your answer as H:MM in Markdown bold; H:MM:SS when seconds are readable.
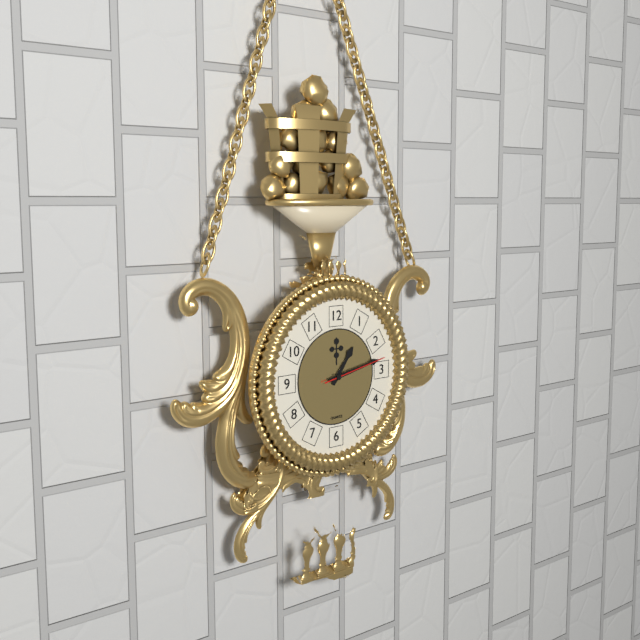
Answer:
**1:13:13**
